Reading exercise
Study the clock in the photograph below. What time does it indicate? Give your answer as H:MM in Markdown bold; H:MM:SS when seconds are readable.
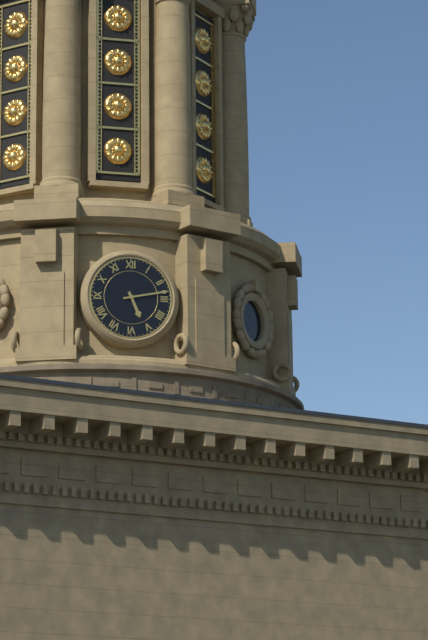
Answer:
**5:13**
